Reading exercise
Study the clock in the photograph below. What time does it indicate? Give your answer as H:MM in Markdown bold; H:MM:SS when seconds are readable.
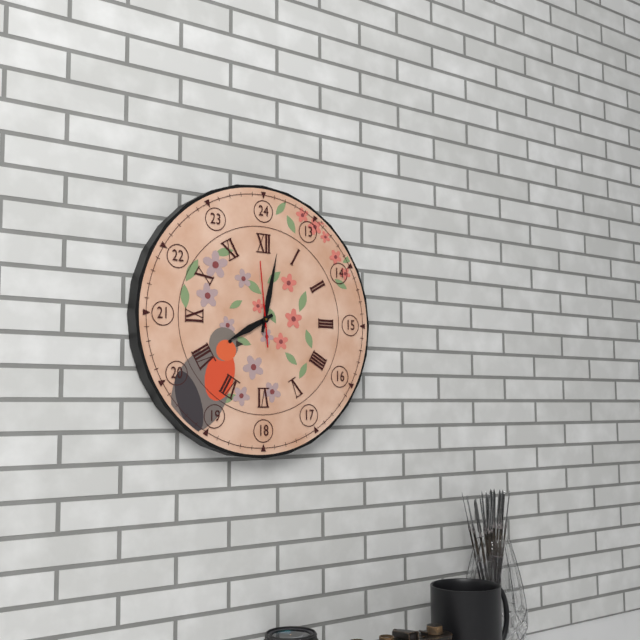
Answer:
**8:02:59**
